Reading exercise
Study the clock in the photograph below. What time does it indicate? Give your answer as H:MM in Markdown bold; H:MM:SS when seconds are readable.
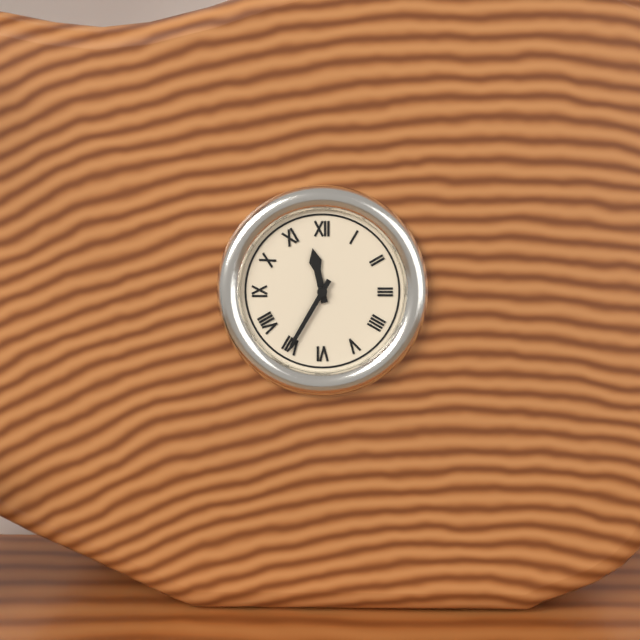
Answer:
**11:35**
